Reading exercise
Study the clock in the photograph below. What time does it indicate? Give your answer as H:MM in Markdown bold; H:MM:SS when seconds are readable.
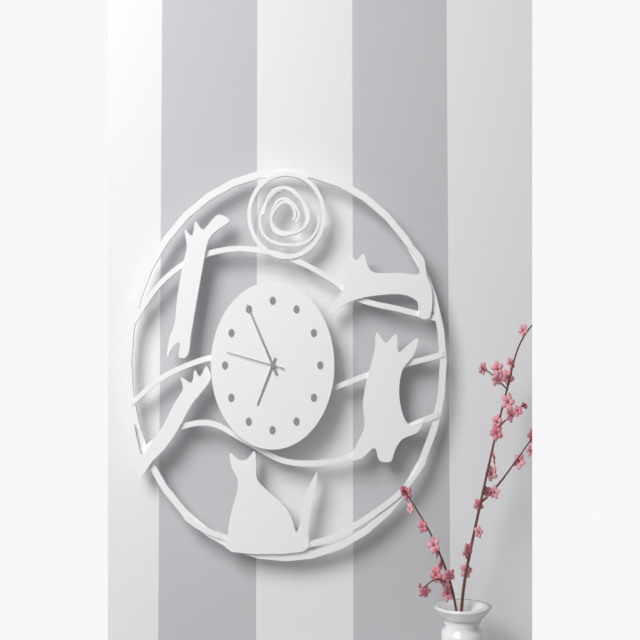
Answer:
**6:55:47**
